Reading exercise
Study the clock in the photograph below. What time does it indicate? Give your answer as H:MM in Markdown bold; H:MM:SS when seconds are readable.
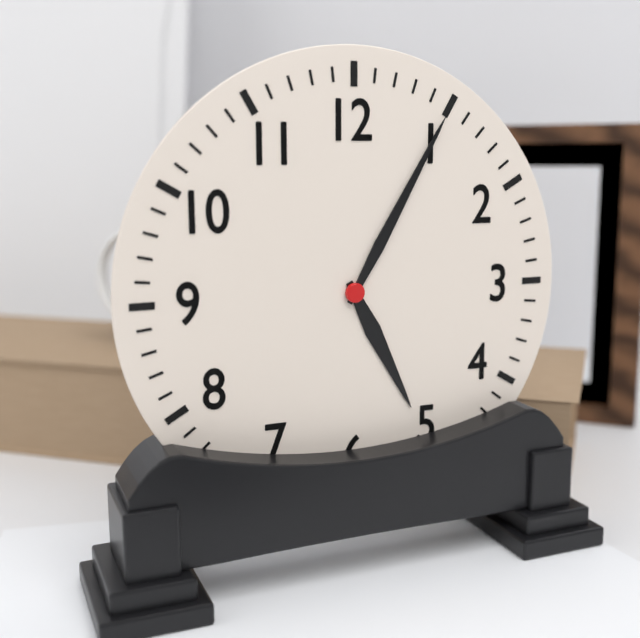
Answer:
**5:05**
